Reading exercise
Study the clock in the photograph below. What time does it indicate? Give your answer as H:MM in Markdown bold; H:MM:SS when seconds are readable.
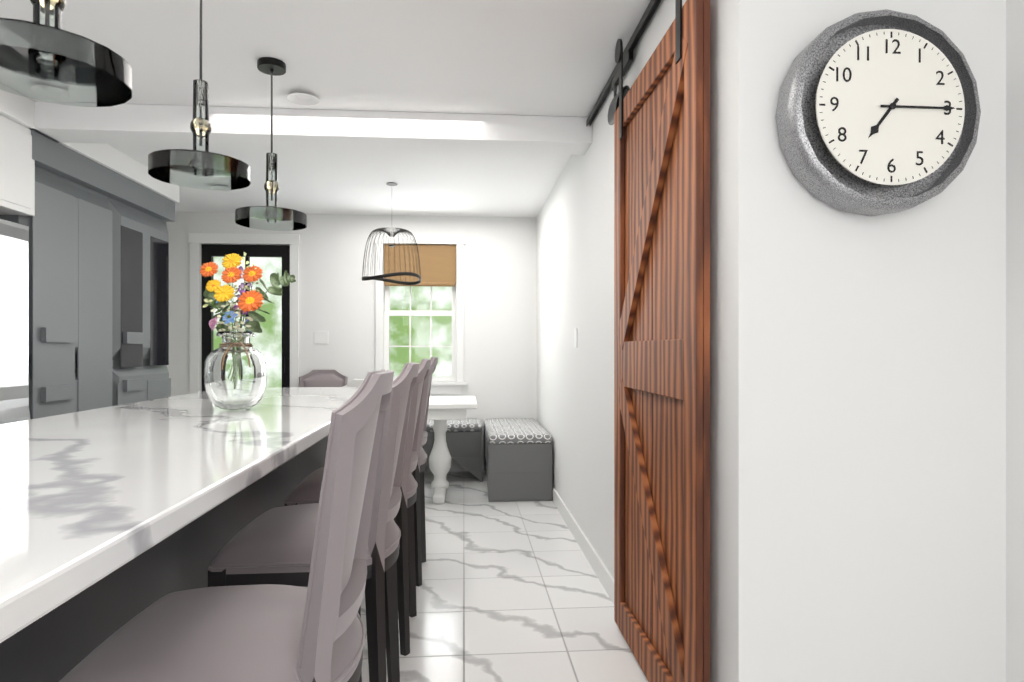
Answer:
**7:15**
